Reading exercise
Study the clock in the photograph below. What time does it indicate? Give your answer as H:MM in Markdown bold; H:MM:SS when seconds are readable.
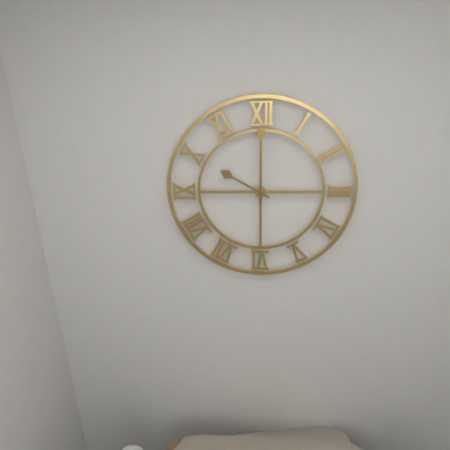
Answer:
**10:00**
